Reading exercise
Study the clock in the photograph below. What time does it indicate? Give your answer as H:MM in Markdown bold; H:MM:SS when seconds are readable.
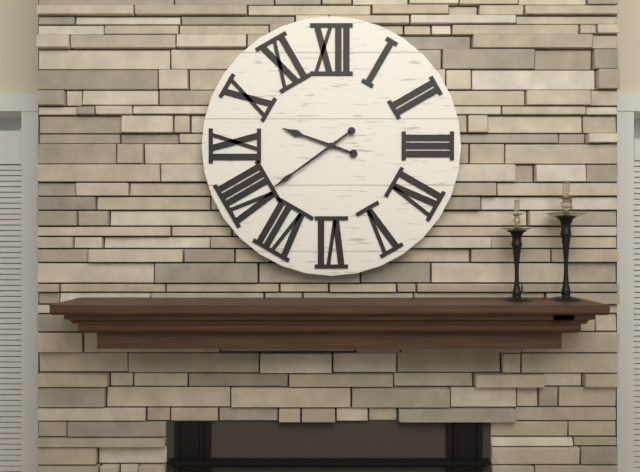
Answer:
**9:39**
